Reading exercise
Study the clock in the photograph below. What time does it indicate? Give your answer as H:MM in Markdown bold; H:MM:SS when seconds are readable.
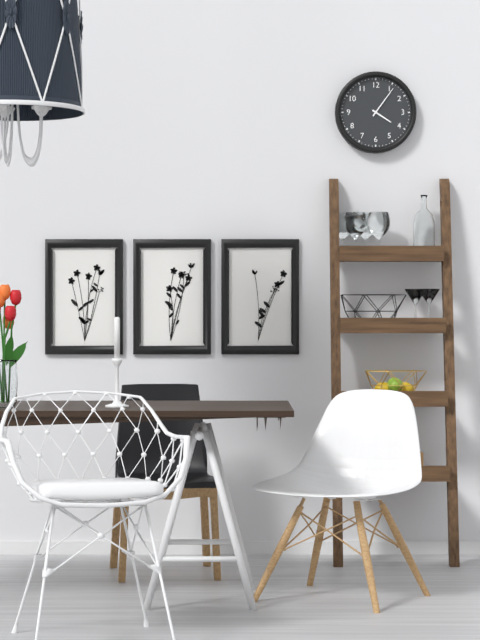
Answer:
**4:06**
